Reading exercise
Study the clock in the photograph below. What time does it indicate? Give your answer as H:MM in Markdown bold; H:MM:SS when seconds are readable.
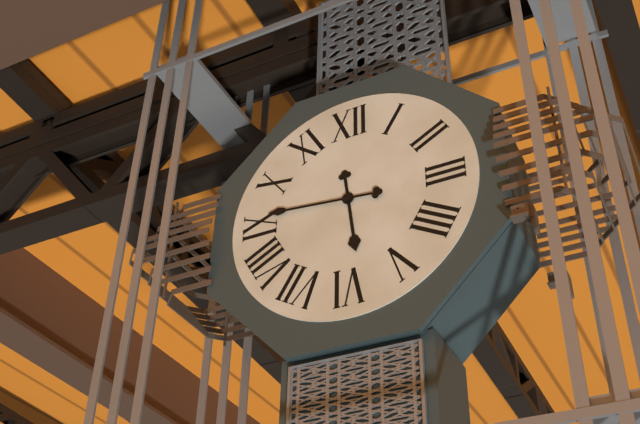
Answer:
**5:46**
